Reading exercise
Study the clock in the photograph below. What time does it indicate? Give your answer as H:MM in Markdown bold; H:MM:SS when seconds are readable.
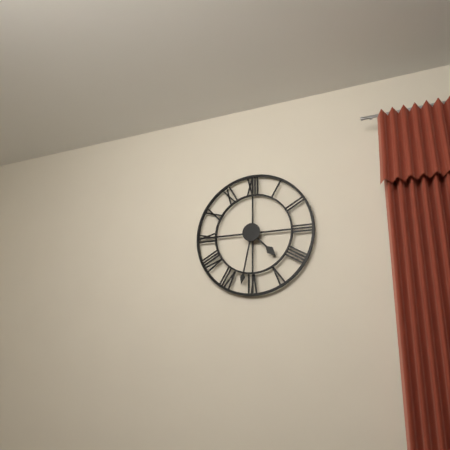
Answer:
**4:32**
